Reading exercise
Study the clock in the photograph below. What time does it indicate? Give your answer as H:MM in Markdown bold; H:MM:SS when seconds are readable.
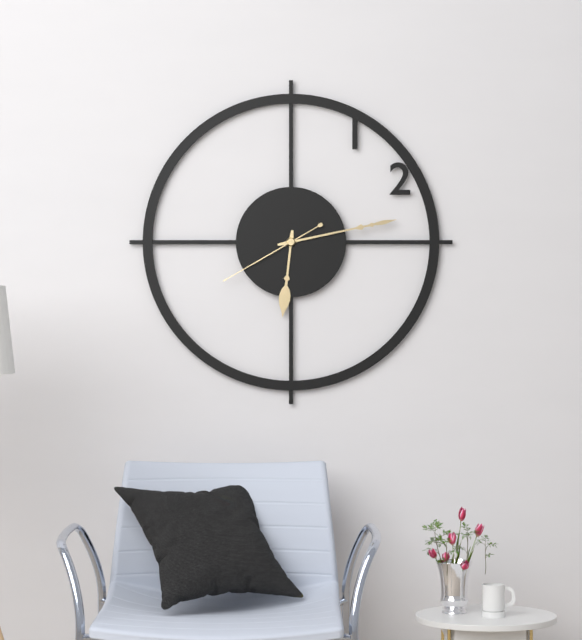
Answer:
**6:13:40**
